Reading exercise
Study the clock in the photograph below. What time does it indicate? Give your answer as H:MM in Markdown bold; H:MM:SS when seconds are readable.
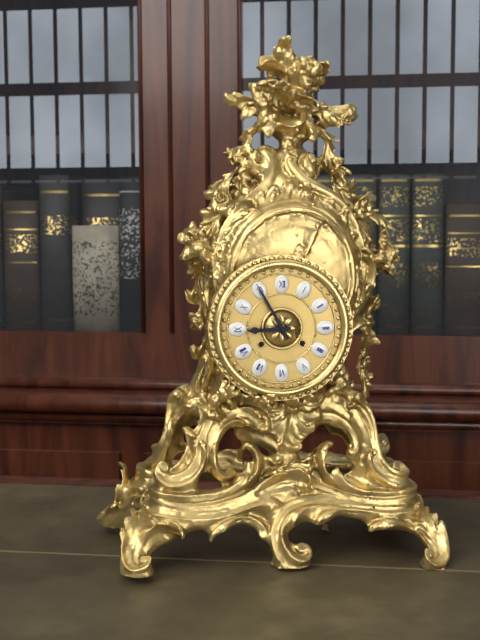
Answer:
**8:55**
